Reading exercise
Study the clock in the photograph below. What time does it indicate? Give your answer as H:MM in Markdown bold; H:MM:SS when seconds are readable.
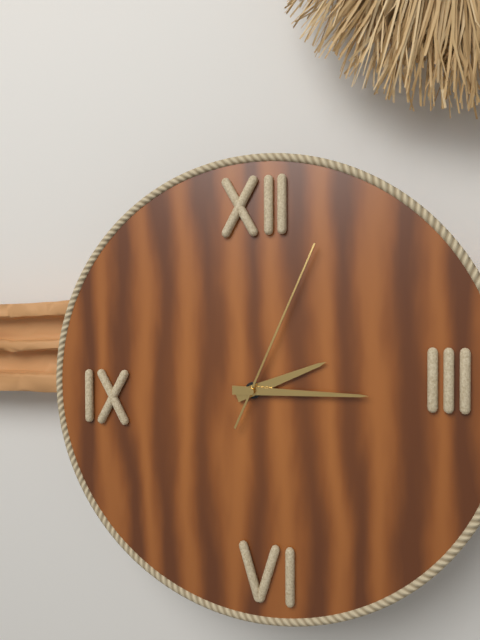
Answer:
**2:15:04**
